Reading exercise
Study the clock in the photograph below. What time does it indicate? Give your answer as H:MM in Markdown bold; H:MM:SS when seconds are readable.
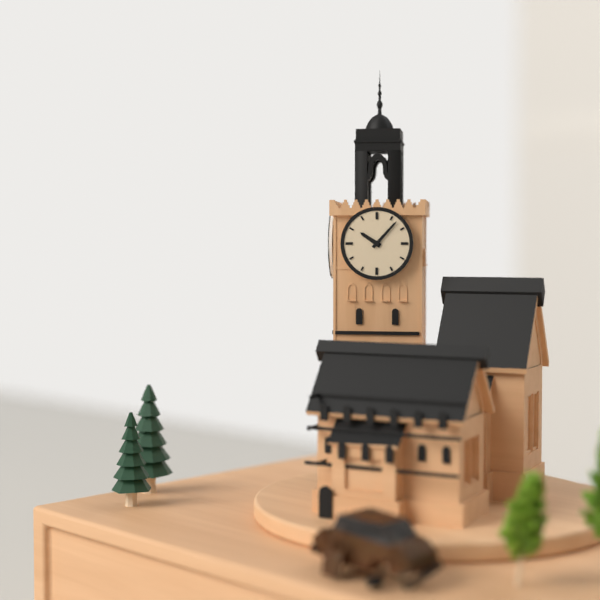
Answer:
**10:07**
